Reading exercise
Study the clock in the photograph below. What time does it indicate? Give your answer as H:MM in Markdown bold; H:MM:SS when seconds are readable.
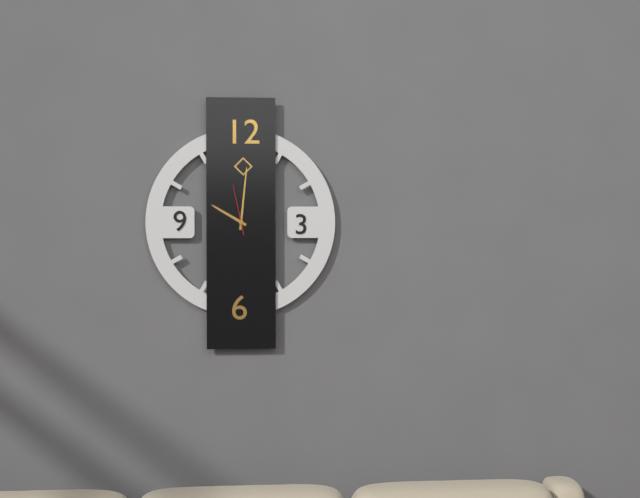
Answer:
**10:01**
